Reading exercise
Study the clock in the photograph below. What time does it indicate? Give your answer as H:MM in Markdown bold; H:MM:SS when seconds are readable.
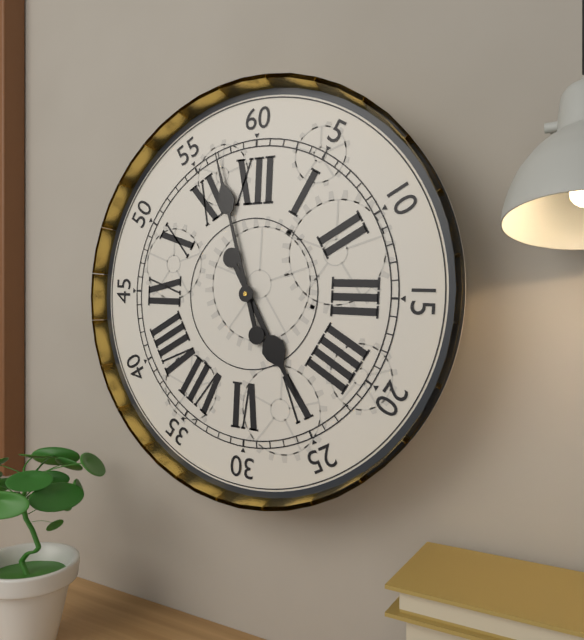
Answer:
**4:57**
